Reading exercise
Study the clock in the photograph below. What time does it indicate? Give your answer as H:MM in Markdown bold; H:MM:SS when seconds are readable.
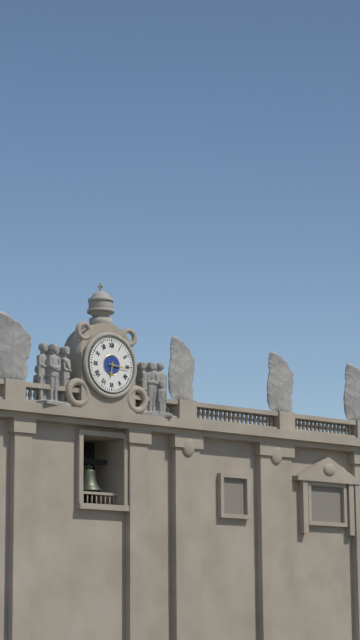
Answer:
**6:16**
